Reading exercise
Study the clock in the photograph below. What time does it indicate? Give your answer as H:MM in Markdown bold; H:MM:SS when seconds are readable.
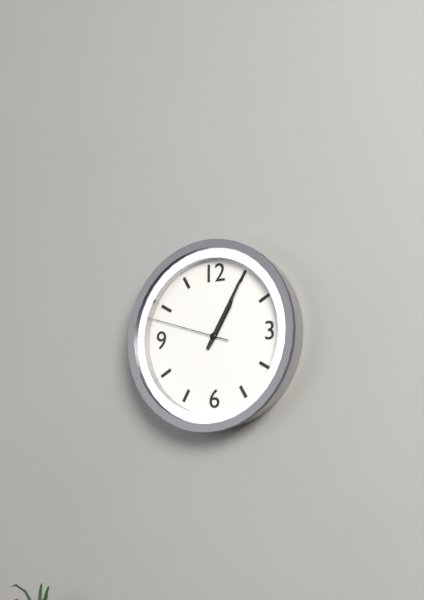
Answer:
**1:05:48**
